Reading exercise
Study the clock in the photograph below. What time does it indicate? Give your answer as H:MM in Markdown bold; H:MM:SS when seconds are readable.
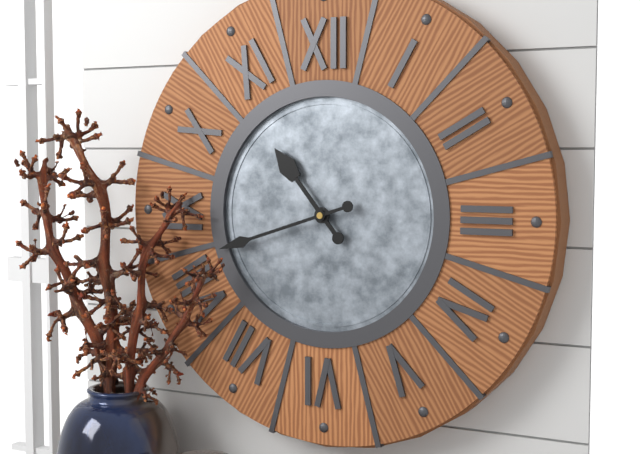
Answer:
**10:42**
